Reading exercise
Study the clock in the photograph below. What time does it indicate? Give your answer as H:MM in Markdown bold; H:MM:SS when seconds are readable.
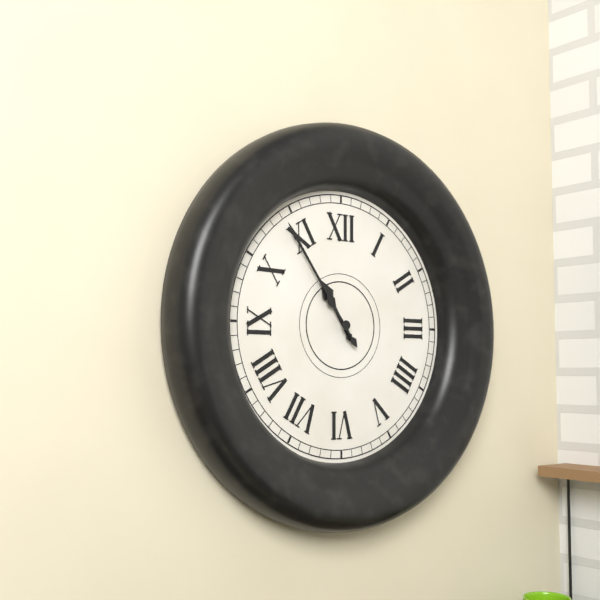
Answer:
**10:54**
